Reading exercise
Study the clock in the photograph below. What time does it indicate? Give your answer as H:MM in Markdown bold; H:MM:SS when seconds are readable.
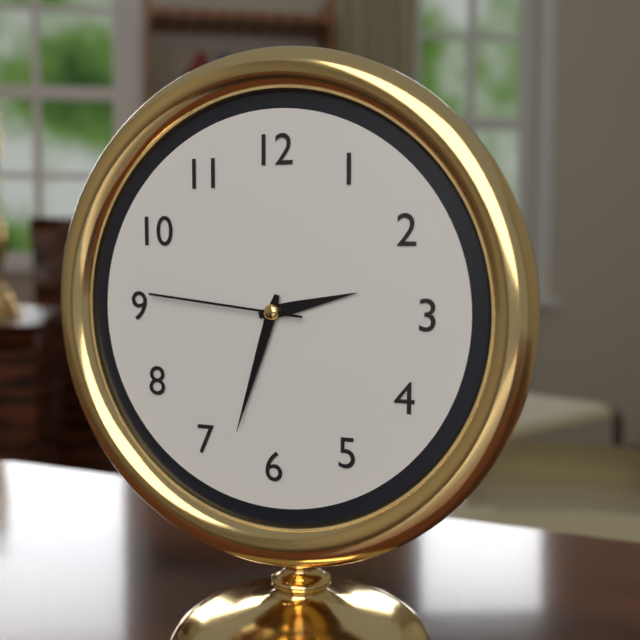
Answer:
**2:33:46**
